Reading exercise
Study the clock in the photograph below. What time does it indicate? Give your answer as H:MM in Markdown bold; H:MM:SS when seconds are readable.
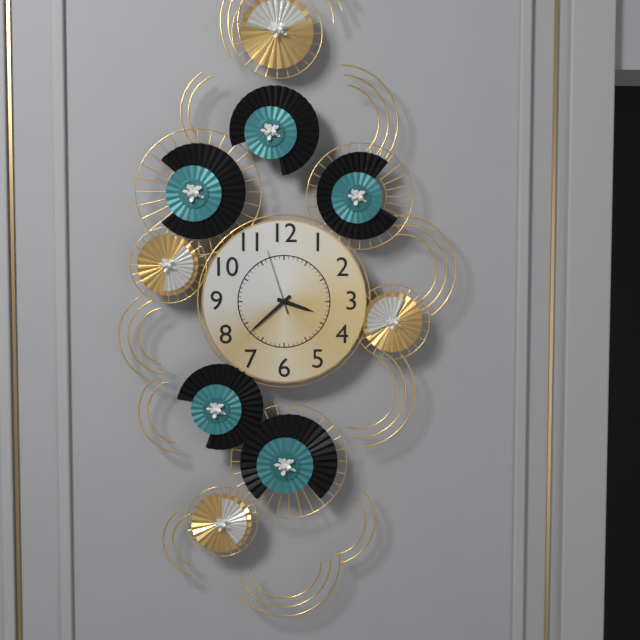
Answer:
**3:38:57**
